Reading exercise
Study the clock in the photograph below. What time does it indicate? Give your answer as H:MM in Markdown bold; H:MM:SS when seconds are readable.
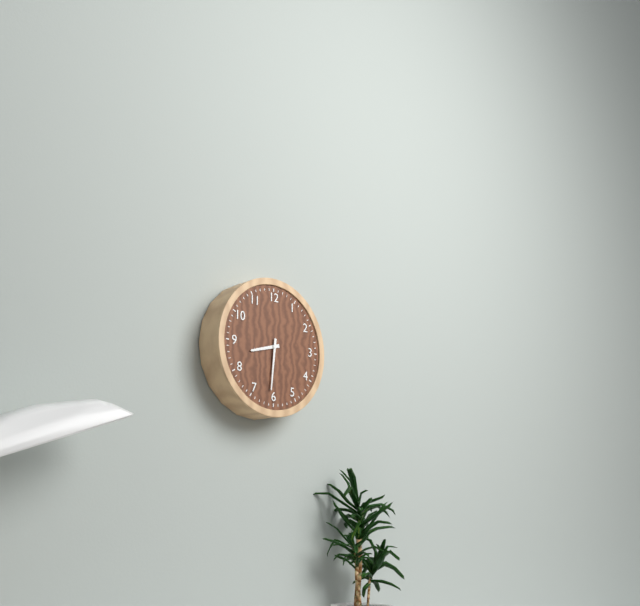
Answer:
**8:31**
